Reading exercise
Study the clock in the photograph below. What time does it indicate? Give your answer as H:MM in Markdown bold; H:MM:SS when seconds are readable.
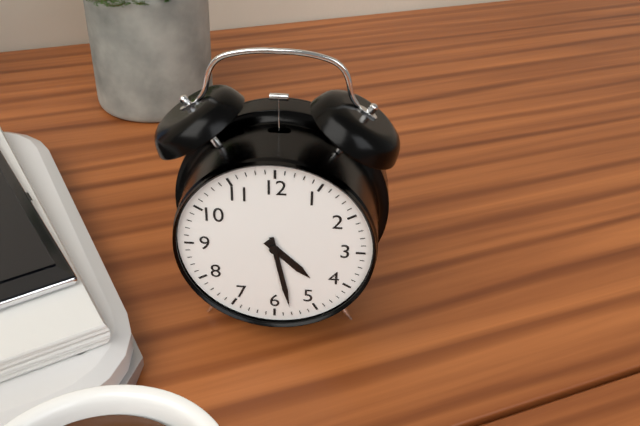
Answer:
**4:28**
